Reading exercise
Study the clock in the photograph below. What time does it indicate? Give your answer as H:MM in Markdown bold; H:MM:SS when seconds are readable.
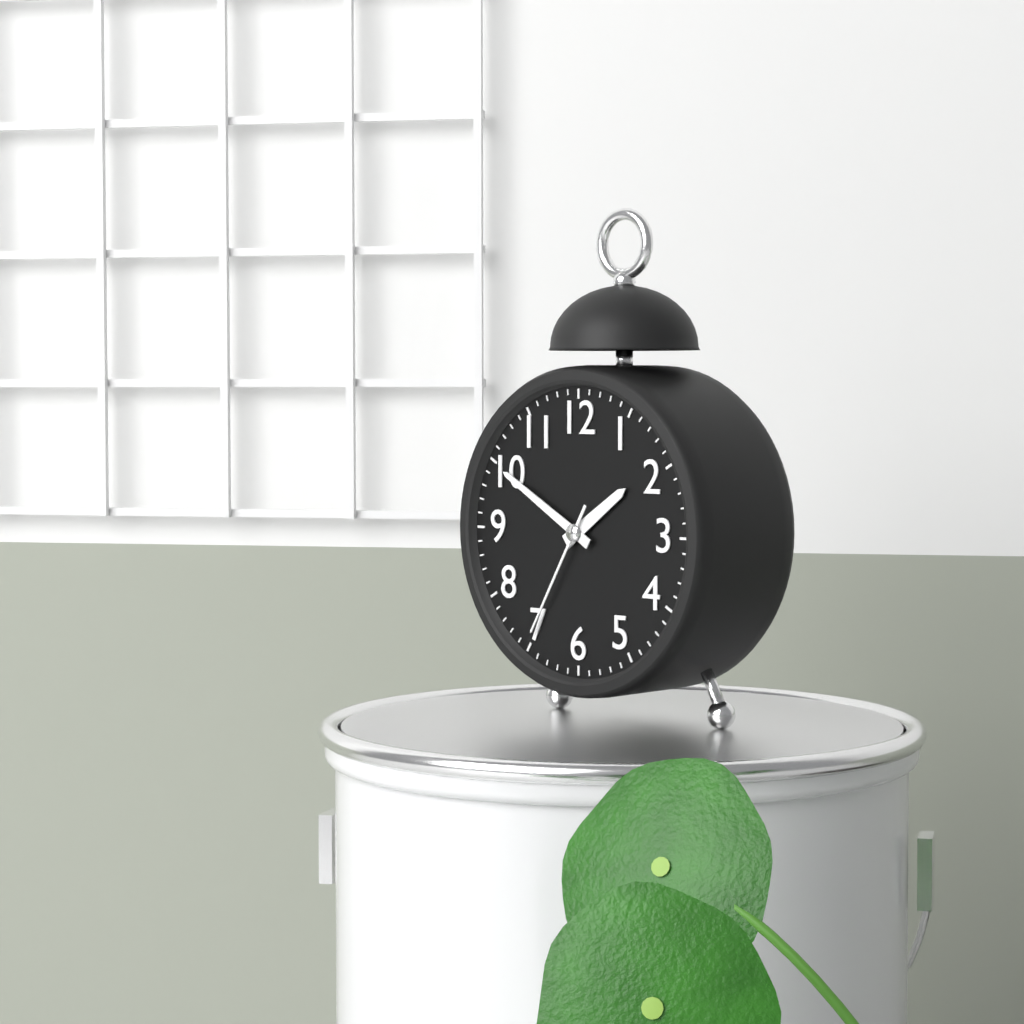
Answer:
**1:50:35**
